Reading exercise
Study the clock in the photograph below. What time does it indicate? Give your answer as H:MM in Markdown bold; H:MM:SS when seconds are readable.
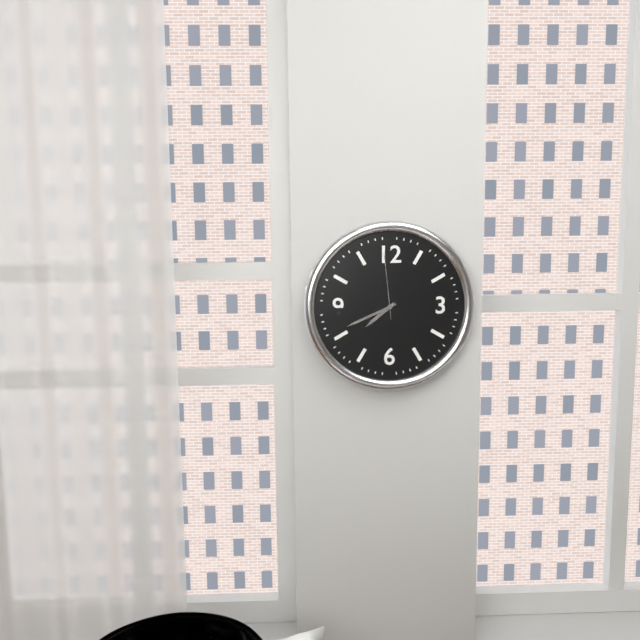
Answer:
**7:41:59**
